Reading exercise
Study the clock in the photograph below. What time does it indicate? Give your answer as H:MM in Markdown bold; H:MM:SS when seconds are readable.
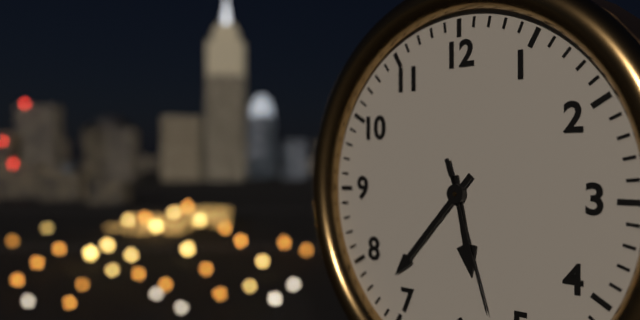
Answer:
**5:37:27**
